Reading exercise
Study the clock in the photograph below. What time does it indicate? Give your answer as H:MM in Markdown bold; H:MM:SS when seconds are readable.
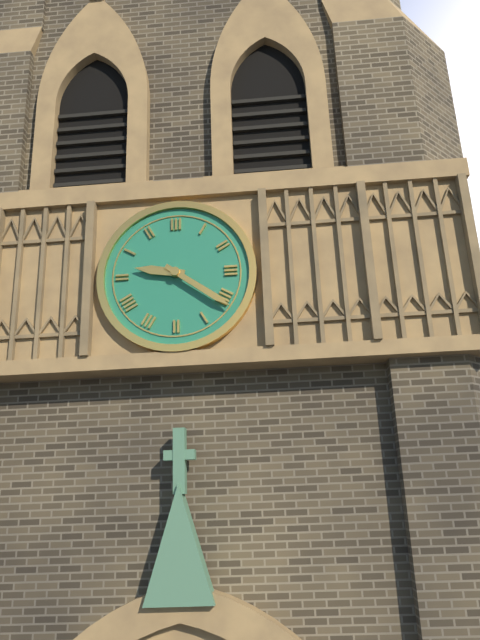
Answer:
**9:21**
